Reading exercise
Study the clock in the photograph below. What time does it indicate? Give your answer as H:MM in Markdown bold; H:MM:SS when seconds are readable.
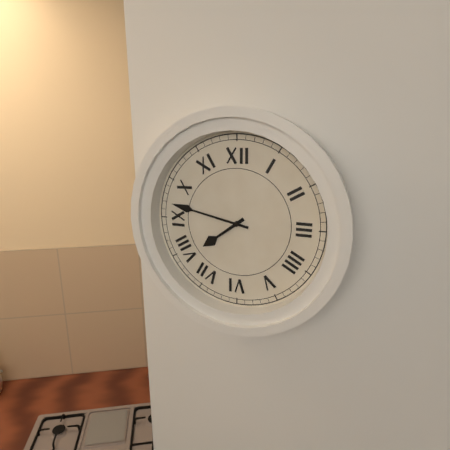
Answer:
**7:47**
